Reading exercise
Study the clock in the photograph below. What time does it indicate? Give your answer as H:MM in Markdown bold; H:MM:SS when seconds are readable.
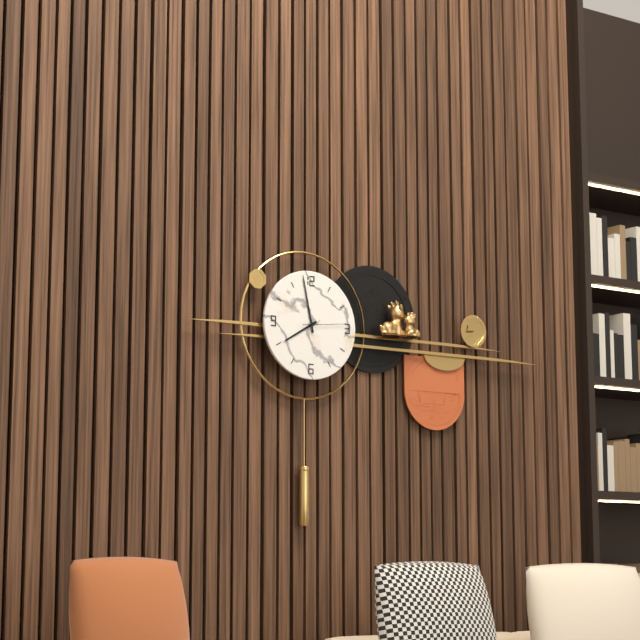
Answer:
**7:58**
